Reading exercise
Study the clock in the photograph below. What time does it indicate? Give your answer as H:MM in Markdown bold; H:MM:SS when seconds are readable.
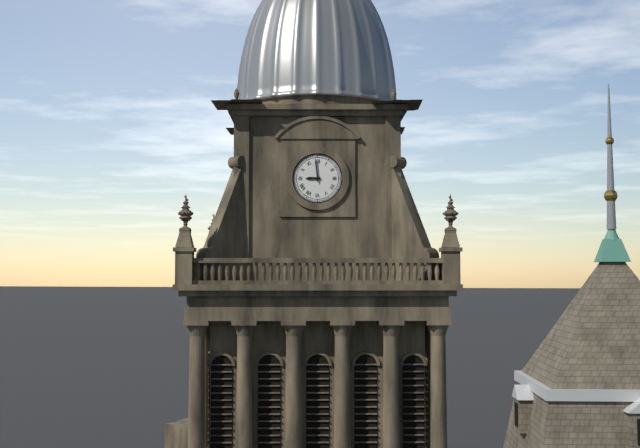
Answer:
**8:59**
